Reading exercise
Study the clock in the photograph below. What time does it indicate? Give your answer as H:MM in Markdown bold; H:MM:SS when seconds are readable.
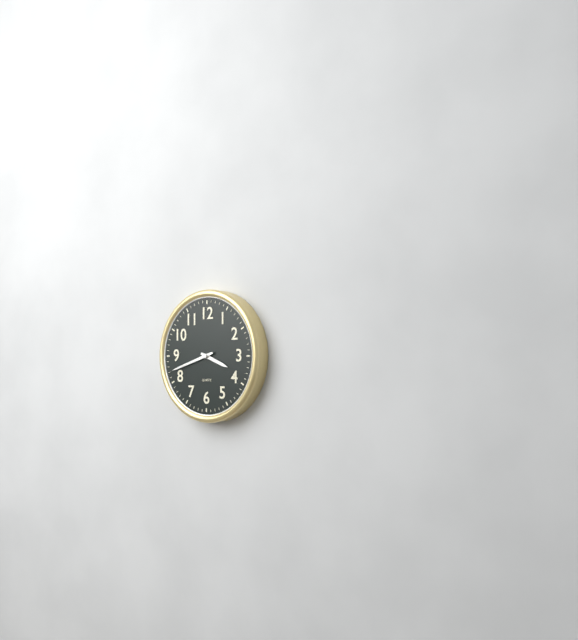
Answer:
**3:42**
